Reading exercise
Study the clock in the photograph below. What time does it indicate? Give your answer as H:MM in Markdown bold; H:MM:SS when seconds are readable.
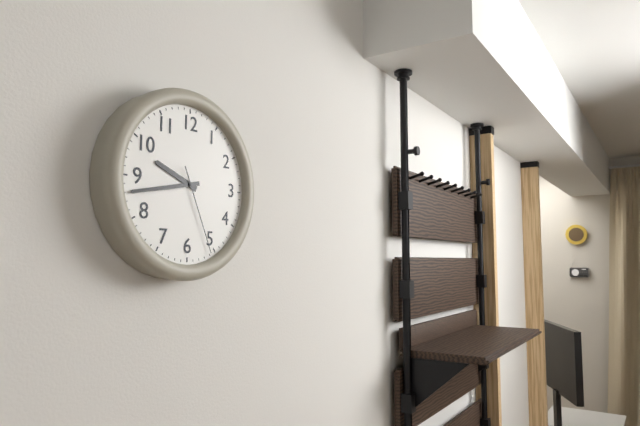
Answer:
**9:43:26**
